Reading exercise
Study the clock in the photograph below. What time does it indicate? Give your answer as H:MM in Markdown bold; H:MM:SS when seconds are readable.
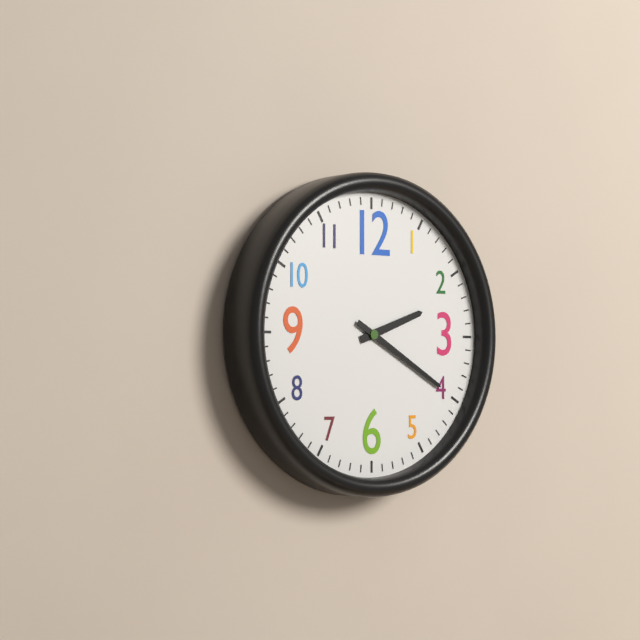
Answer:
**2:20**
